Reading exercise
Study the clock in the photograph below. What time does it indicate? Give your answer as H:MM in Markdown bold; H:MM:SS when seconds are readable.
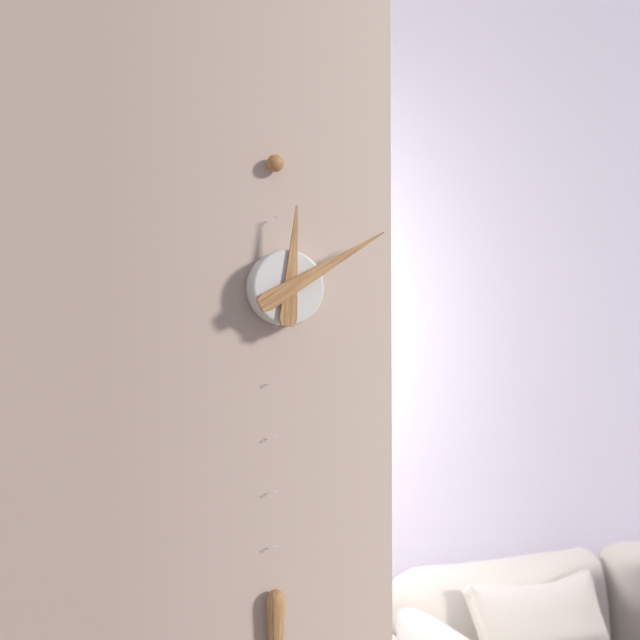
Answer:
**12:10**
